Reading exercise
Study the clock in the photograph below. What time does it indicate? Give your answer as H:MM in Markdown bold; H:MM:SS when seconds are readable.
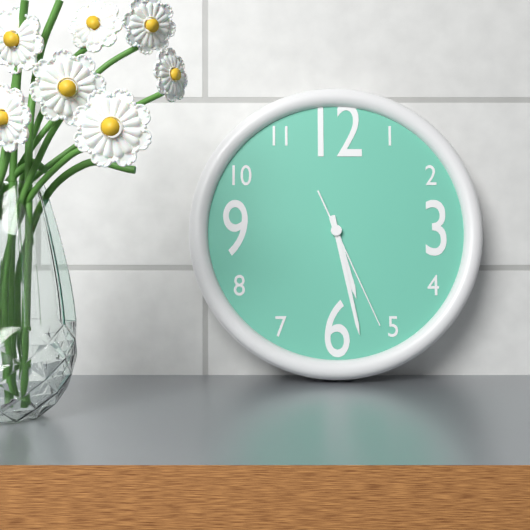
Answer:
**5:28:26**
